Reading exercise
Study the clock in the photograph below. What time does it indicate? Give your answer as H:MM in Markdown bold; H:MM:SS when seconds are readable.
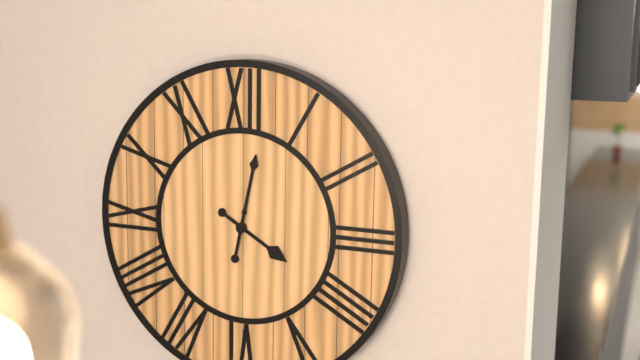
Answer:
**4:02**
